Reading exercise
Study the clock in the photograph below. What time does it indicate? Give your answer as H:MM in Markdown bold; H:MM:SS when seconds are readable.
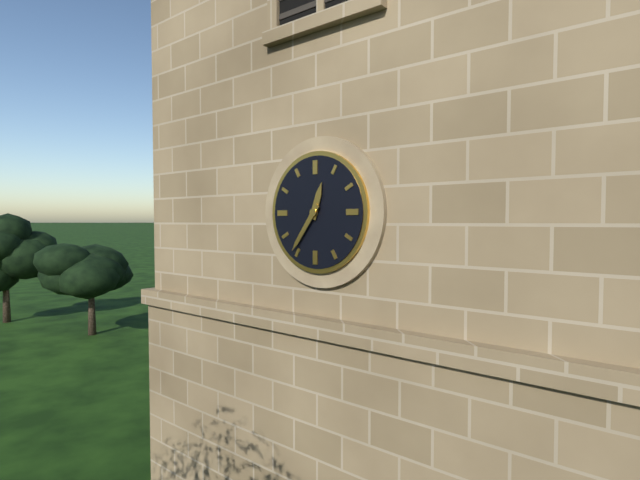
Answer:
**12:36**
